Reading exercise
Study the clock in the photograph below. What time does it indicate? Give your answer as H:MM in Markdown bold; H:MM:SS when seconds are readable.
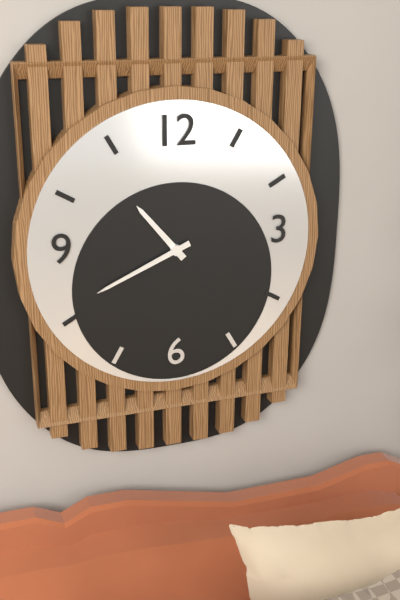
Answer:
**10:41**
